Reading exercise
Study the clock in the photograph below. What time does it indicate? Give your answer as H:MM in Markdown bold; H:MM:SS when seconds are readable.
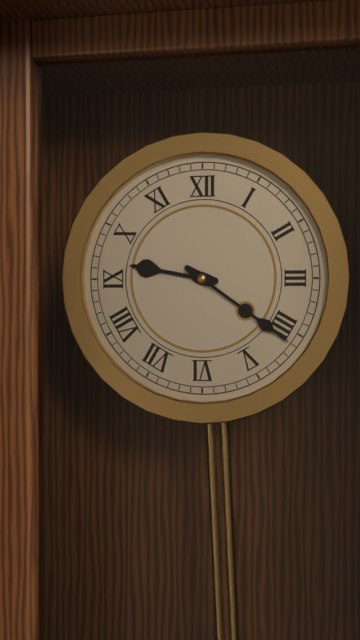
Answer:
**9:21**
